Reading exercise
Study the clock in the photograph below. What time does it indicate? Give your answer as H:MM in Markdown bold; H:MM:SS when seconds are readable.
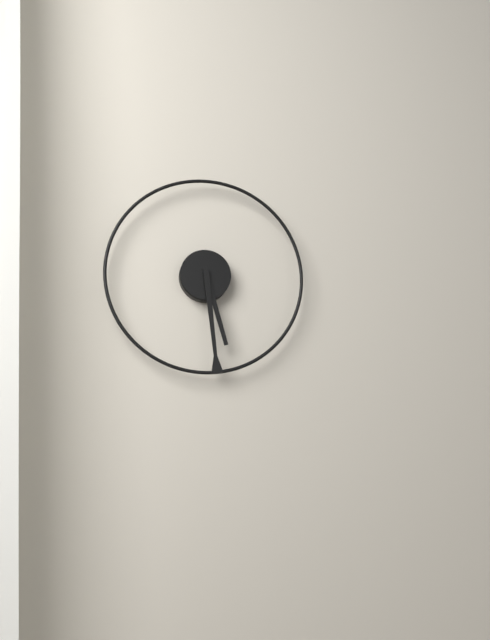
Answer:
**5:29**
